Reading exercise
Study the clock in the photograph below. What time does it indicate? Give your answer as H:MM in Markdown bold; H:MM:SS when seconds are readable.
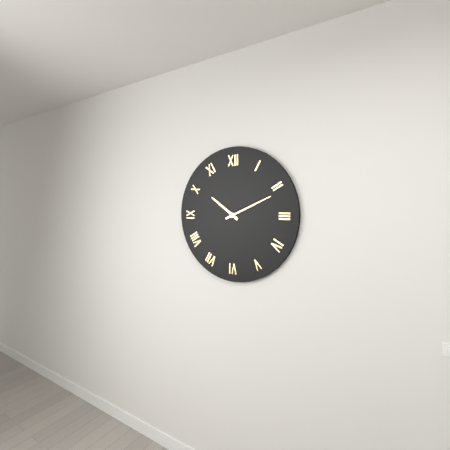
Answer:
**10:11**
